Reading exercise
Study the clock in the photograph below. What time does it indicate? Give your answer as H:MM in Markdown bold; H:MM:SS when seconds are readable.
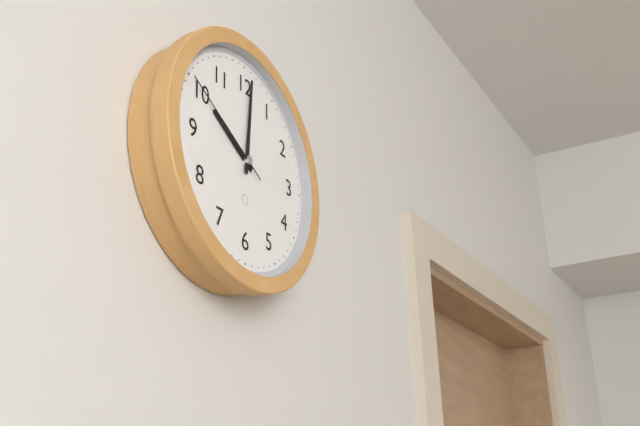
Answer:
**10:01:50**
